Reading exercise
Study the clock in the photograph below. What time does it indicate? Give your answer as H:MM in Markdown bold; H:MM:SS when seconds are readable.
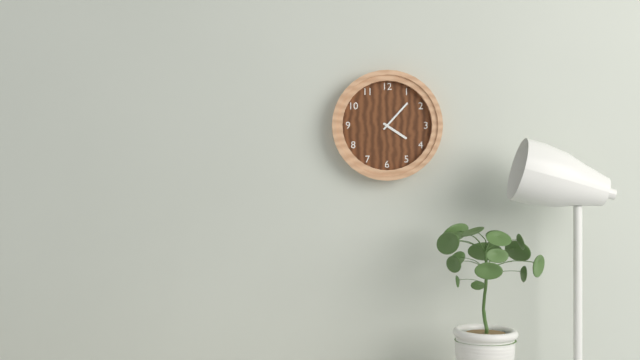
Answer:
**4:07**
